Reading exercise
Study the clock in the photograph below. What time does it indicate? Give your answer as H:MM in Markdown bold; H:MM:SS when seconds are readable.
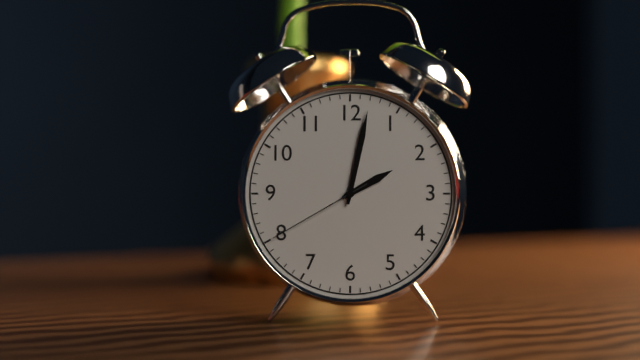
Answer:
**2:02:40**
